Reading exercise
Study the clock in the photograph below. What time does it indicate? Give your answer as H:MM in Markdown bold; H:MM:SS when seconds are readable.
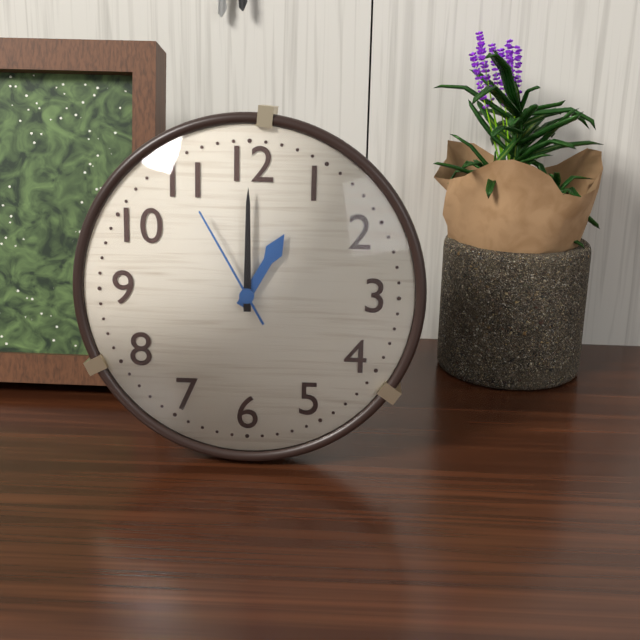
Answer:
**1:00:55**
